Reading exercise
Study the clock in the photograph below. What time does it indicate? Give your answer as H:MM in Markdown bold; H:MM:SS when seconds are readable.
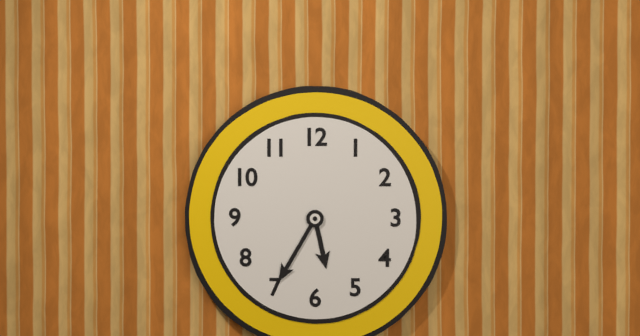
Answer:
**5:35**
